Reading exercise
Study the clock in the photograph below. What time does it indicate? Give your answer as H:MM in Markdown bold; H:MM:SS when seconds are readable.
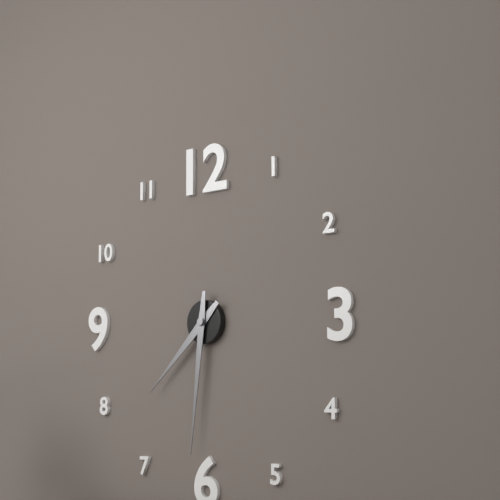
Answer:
**7:31**
